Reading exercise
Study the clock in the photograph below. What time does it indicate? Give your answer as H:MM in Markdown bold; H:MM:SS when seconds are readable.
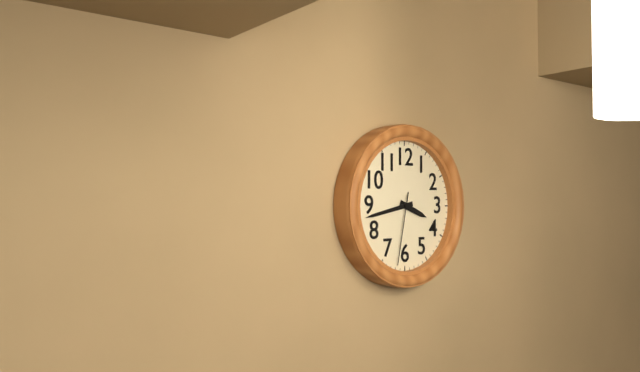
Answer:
**3:43:32**
